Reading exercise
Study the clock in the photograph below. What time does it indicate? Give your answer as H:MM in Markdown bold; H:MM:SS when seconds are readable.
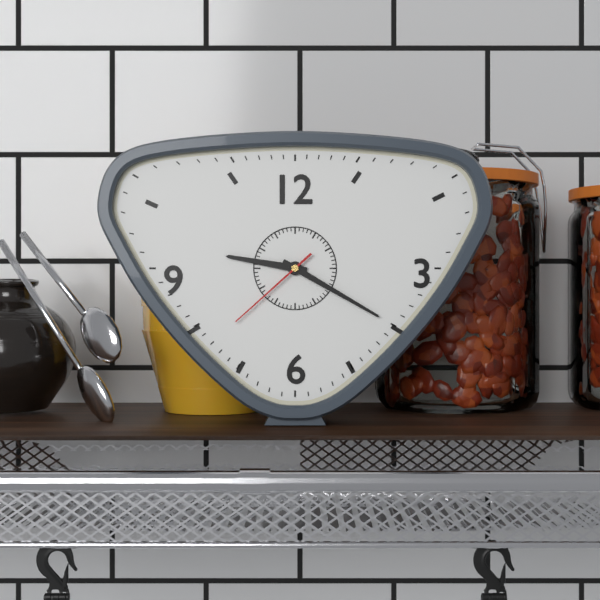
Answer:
**9:20:38**
